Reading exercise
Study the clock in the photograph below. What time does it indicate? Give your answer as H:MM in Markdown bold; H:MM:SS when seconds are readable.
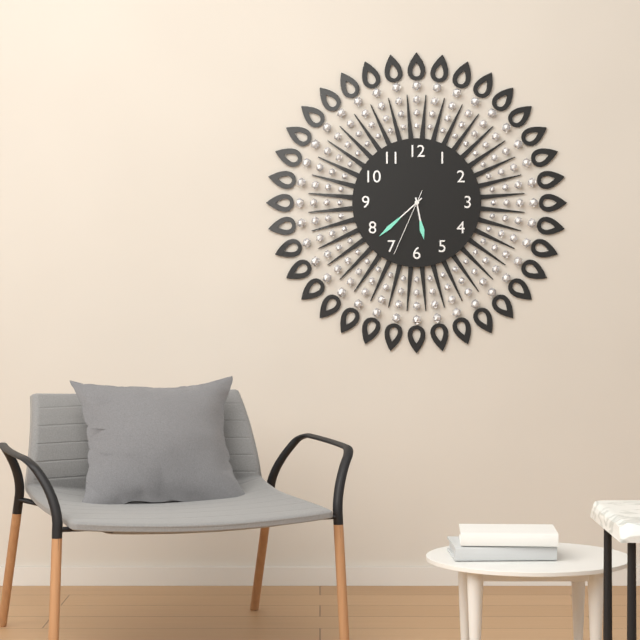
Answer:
**5:38:34**
